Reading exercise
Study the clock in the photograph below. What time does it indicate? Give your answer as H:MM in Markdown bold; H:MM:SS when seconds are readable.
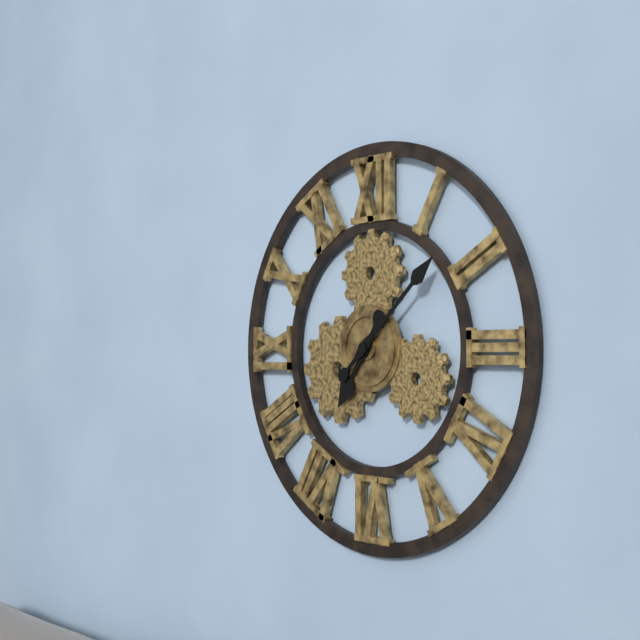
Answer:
**7:08**
